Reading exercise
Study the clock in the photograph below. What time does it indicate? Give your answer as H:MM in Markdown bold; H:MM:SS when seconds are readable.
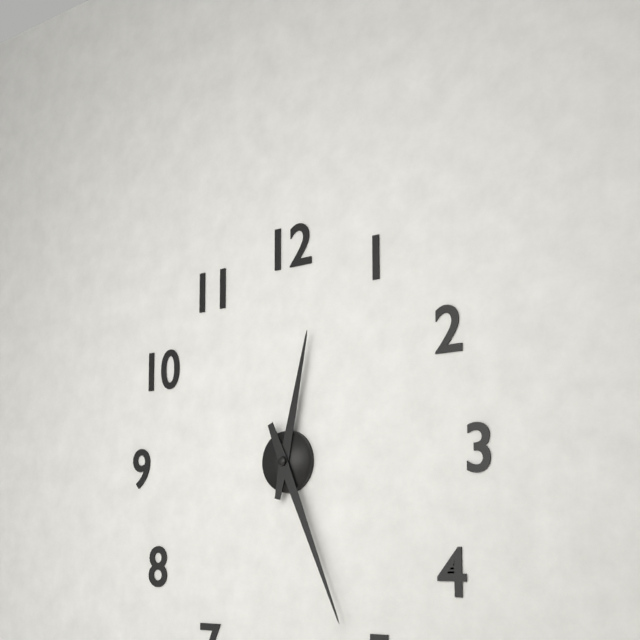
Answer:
**12:26**
